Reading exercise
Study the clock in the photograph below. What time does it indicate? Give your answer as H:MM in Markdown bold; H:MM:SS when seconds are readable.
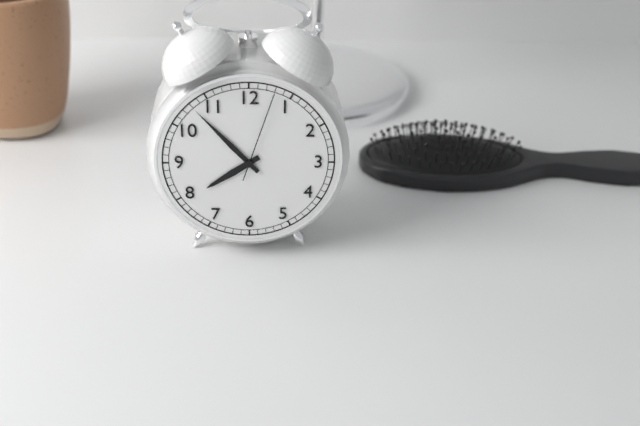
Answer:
**7:53:03**
